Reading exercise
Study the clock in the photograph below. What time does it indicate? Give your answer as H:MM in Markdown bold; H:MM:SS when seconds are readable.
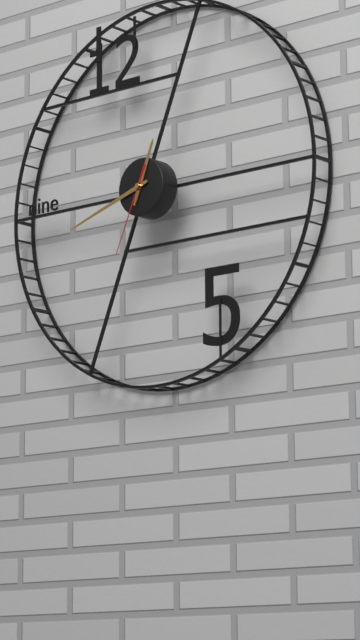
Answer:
**12:42:34**
